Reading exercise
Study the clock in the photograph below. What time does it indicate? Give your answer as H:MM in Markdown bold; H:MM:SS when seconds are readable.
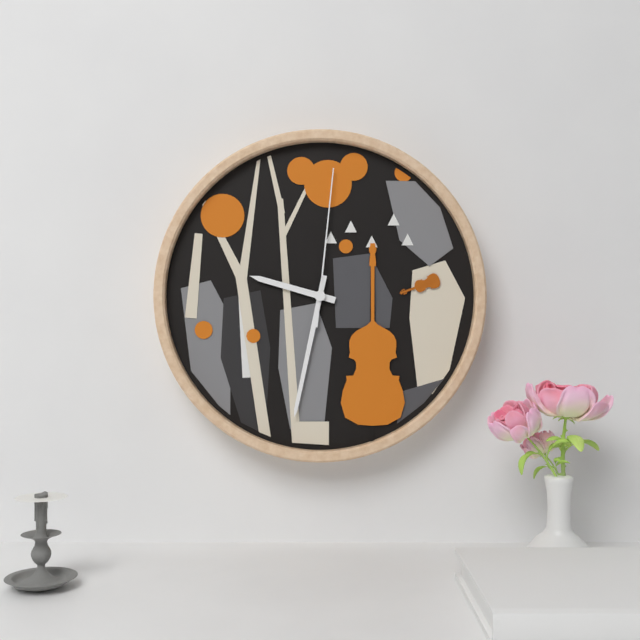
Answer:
**9:32:01**
